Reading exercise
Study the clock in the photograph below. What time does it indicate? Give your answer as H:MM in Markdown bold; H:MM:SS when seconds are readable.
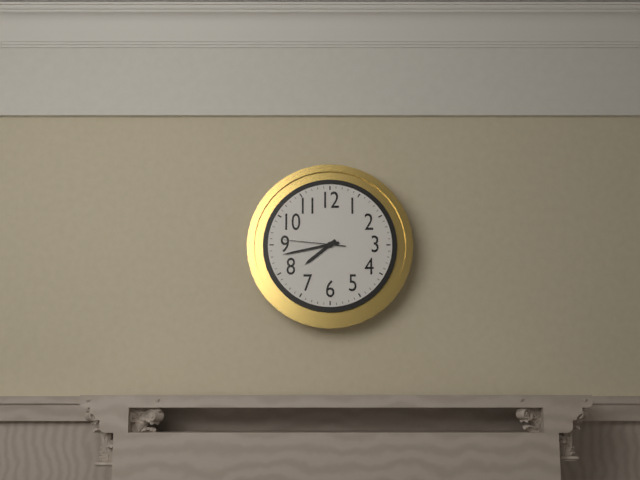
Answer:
**7:43:46**
